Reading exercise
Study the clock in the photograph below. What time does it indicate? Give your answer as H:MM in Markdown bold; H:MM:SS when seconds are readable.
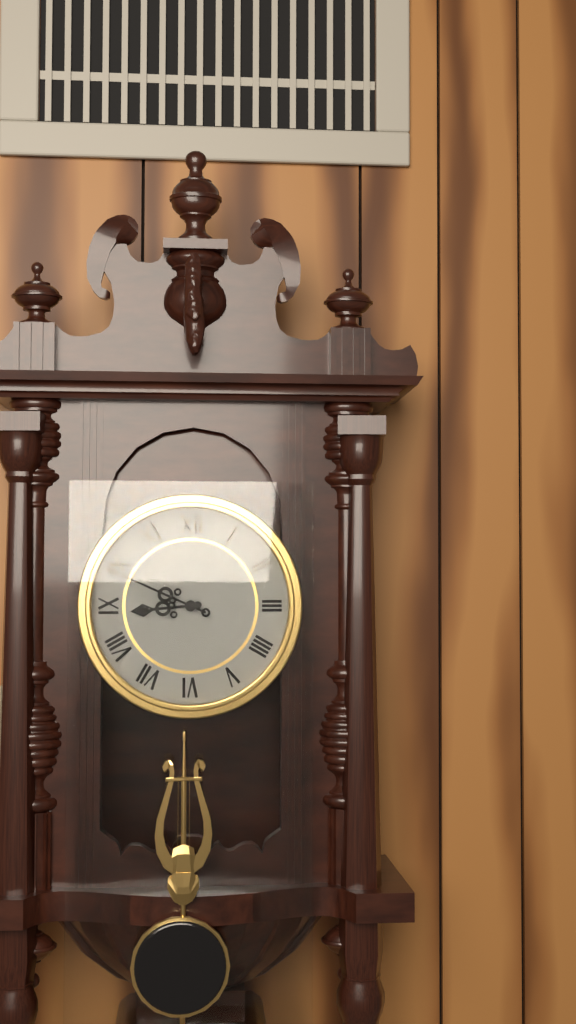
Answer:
**8:49**
